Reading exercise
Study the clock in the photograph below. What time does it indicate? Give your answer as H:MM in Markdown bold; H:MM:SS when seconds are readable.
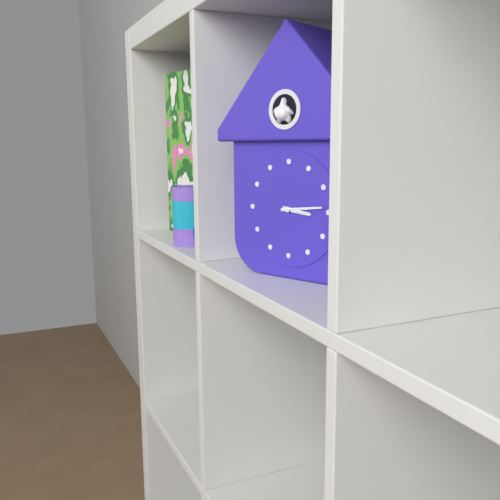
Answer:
**3:14**
